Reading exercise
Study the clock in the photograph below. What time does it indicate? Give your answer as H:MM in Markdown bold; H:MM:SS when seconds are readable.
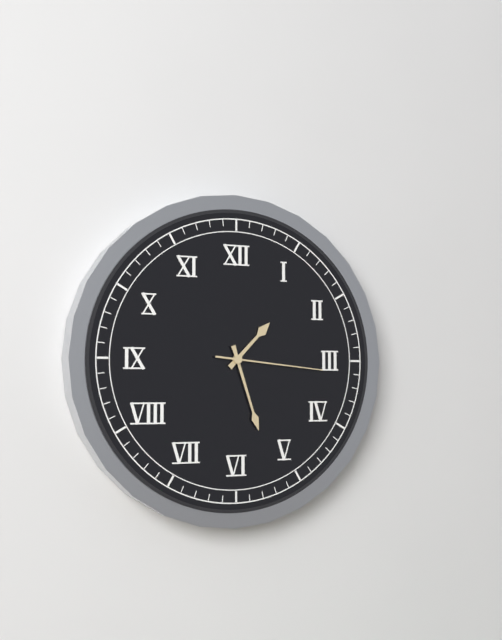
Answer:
**1:27:16**
